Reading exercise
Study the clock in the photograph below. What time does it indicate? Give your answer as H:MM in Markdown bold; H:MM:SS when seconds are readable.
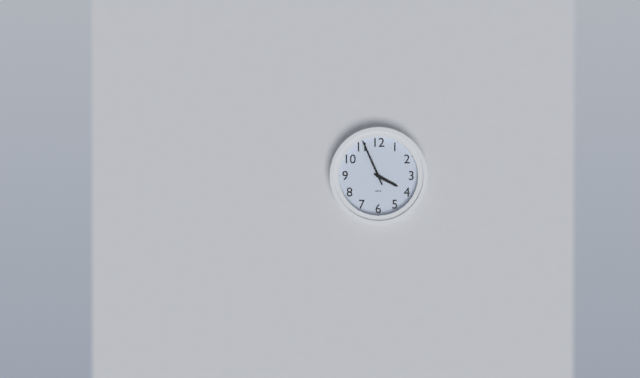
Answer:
**3:56**
